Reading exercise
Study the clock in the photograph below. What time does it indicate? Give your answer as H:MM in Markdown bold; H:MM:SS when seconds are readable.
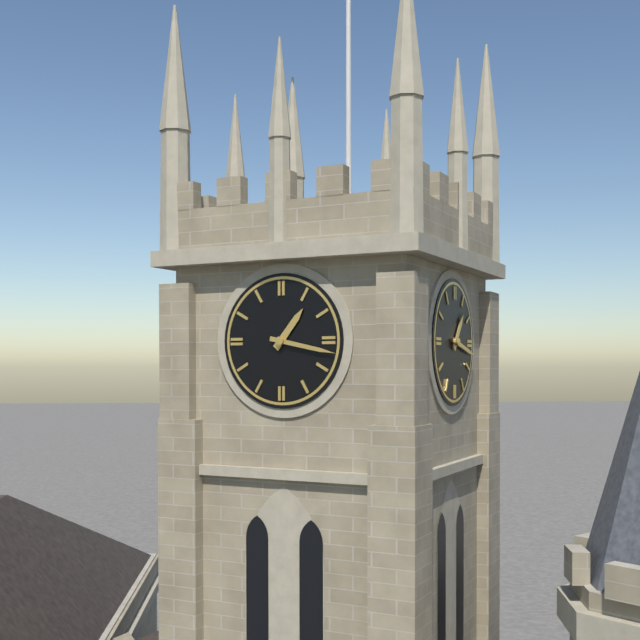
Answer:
**1:17**
